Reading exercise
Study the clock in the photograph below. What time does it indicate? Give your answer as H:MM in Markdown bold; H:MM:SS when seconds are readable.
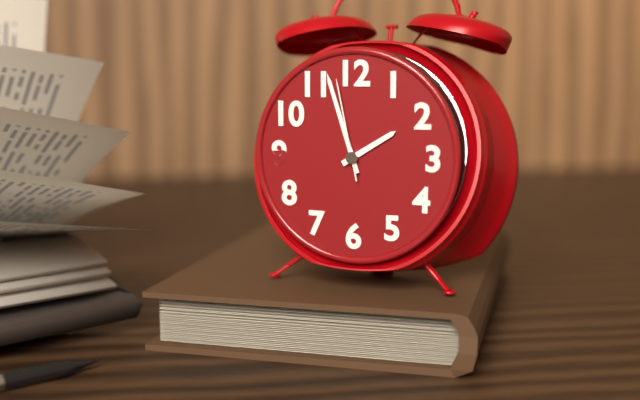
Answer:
**1:57:58**
